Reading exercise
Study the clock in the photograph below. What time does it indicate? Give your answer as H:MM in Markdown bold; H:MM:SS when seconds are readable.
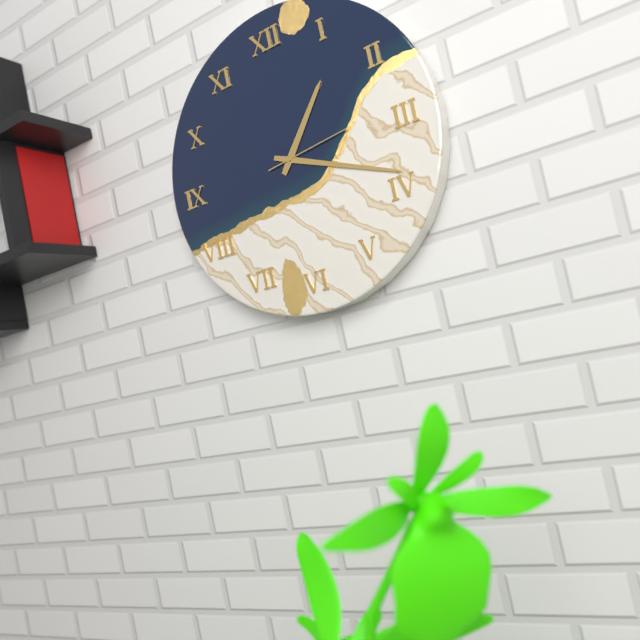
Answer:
**1:19:14**
